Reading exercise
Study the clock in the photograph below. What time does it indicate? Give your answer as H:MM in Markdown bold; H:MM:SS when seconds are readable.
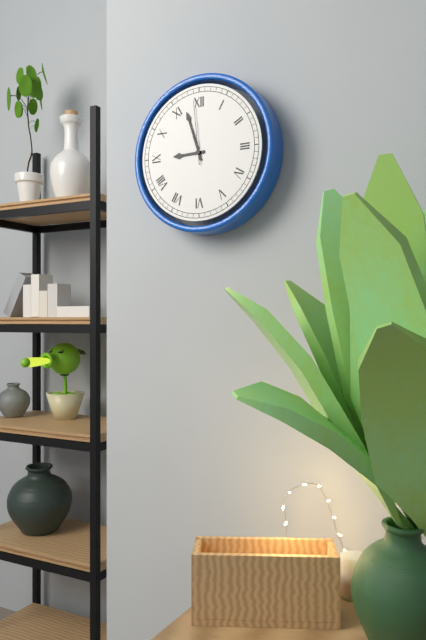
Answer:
**8:57:59**
